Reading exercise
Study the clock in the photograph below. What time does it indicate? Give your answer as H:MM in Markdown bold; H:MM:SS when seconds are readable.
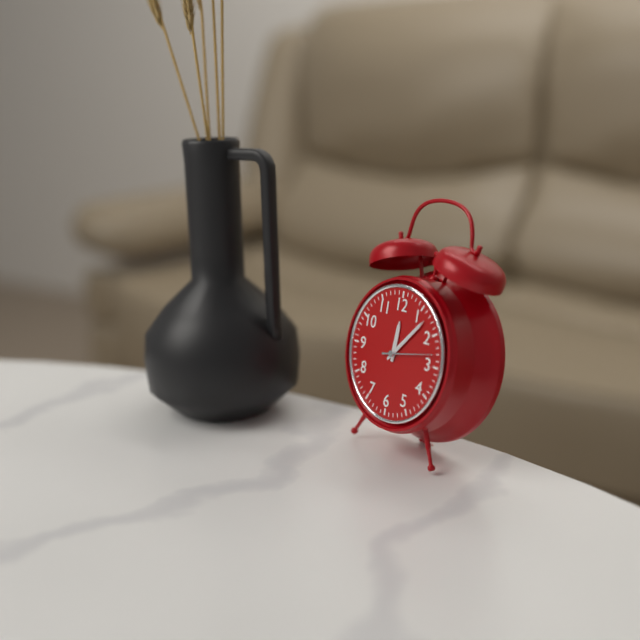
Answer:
**12:07**
